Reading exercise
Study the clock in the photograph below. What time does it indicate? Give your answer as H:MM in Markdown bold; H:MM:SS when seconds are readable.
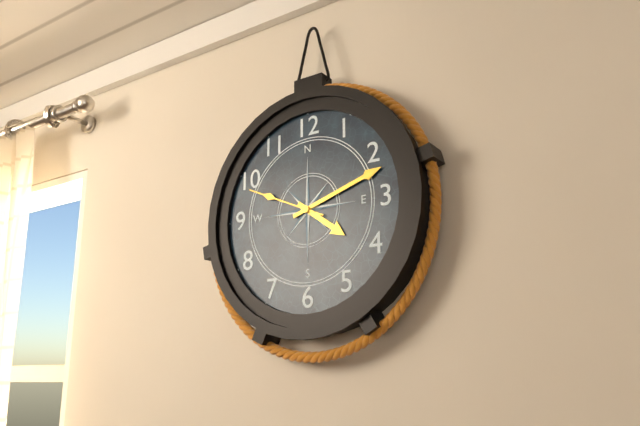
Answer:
**4:12:49**
